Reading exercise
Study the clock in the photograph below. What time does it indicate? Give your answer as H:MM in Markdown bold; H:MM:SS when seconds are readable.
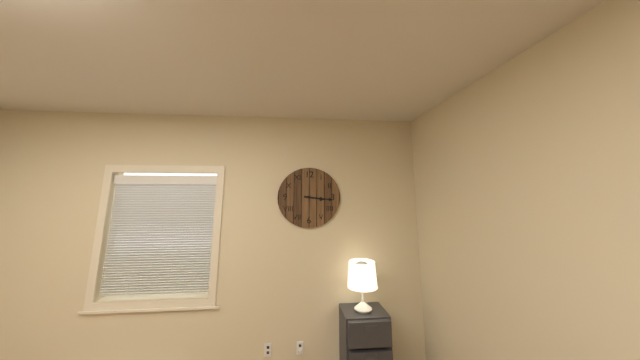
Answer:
**3:16**
